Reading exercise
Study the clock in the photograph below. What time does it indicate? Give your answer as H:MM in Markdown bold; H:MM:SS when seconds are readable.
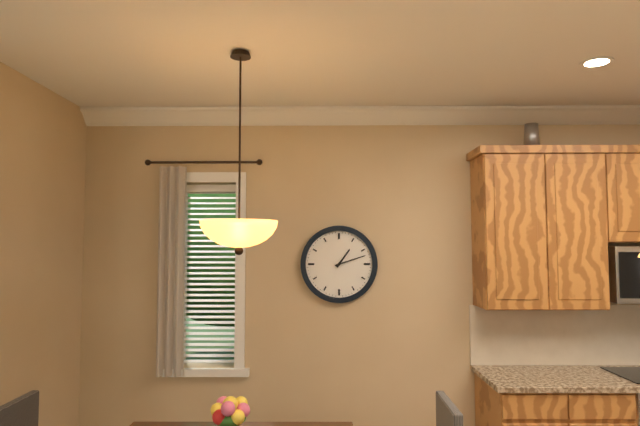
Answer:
**1:12**
